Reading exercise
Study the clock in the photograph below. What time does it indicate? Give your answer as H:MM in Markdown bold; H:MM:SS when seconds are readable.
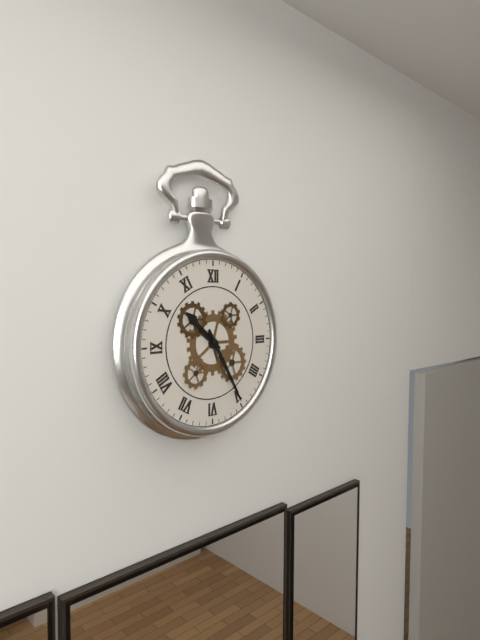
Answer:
**10:25**
